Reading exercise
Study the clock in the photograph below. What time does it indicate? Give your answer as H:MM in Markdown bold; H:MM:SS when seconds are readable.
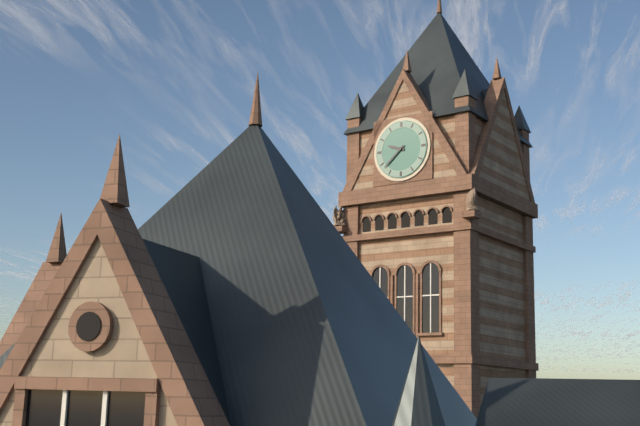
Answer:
**9:38**
